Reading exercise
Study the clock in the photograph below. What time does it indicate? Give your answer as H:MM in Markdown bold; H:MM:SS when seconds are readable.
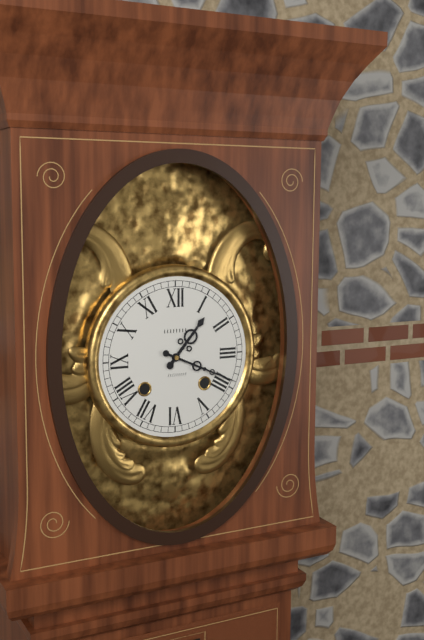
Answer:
**1:19**
